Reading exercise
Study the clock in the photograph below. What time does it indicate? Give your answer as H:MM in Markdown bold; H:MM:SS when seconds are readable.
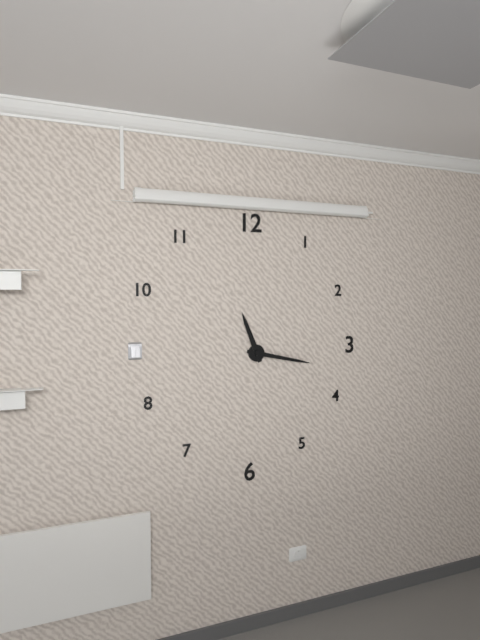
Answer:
**11:17**
